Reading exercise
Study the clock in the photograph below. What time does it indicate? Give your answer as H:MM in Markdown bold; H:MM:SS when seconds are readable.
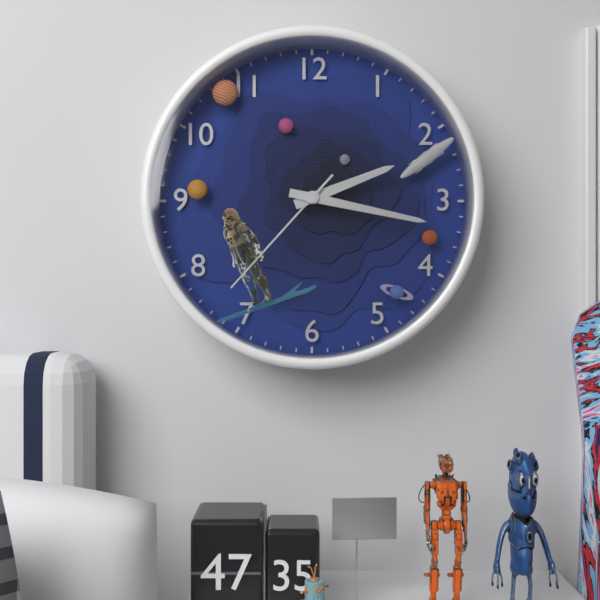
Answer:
**2:17:37**
